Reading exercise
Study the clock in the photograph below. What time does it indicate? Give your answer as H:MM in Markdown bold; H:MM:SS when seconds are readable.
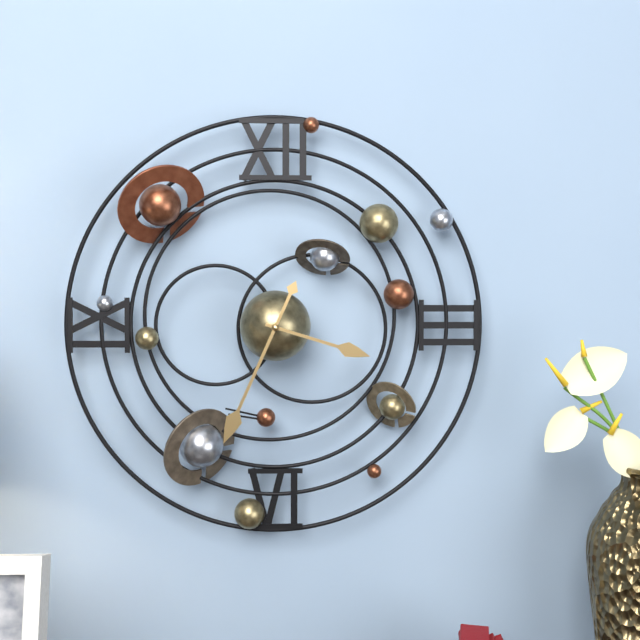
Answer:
**3:34**
